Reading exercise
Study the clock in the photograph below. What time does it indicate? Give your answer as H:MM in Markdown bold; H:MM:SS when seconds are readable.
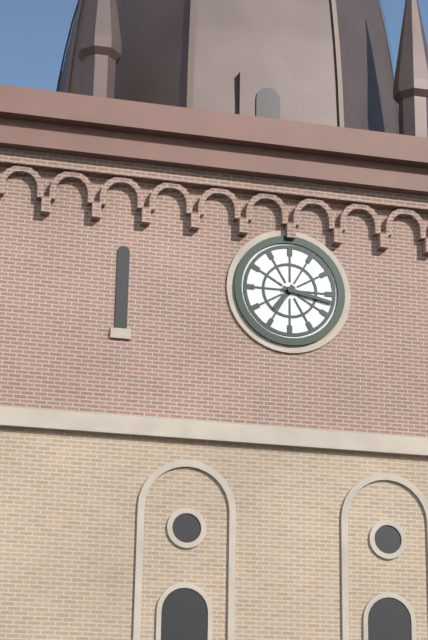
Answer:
**7:17**
